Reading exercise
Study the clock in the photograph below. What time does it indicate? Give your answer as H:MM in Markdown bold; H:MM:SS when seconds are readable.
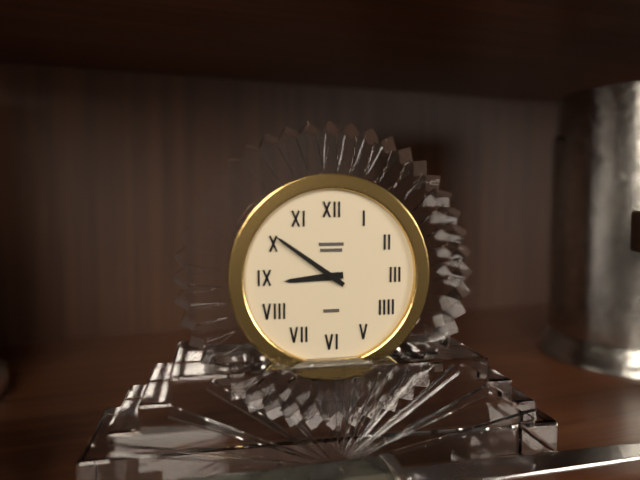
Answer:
**8:51**
